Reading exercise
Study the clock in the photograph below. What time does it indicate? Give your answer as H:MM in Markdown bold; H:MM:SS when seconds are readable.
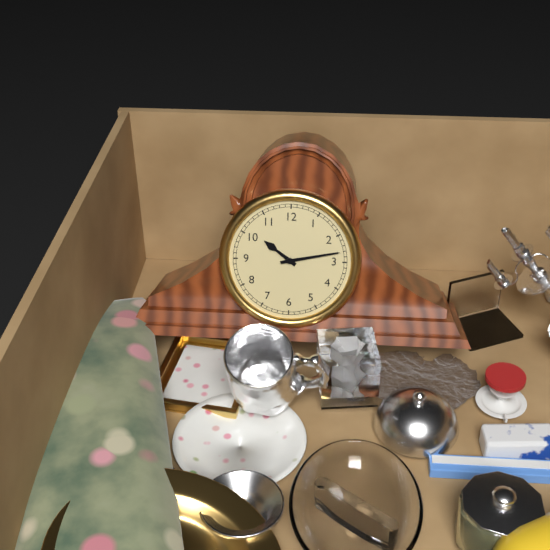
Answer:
**10:13**
